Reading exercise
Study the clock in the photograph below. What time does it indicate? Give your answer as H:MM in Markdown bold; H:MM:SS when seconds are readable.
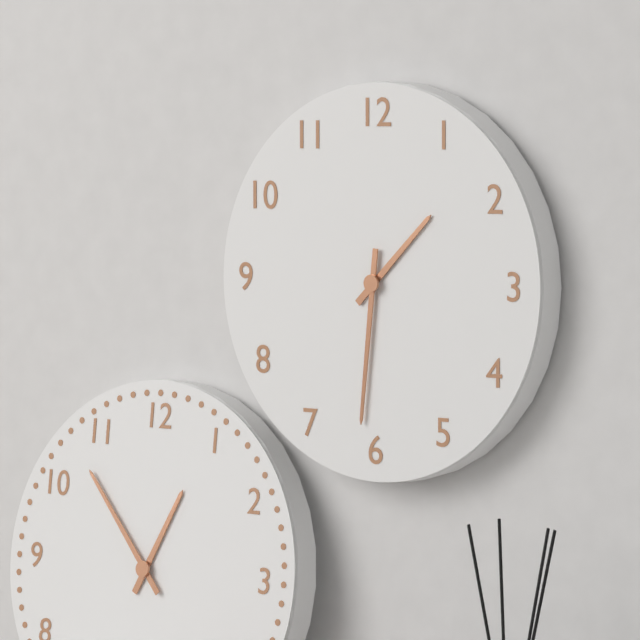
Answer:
**1:31**
